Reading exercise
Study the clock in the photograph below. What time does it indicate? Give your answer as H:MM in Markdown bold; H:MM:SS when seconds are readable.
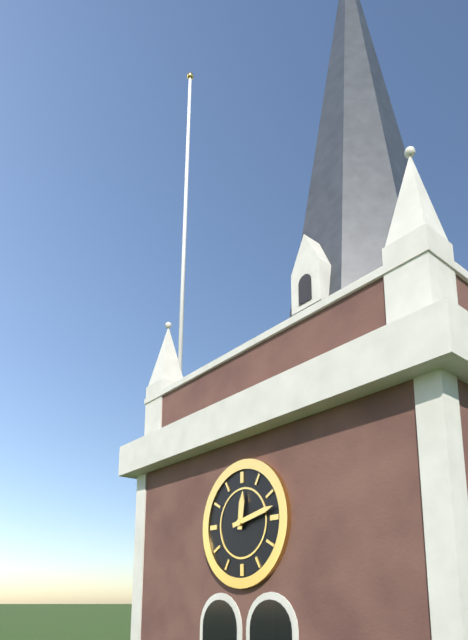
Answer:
**12:13**
